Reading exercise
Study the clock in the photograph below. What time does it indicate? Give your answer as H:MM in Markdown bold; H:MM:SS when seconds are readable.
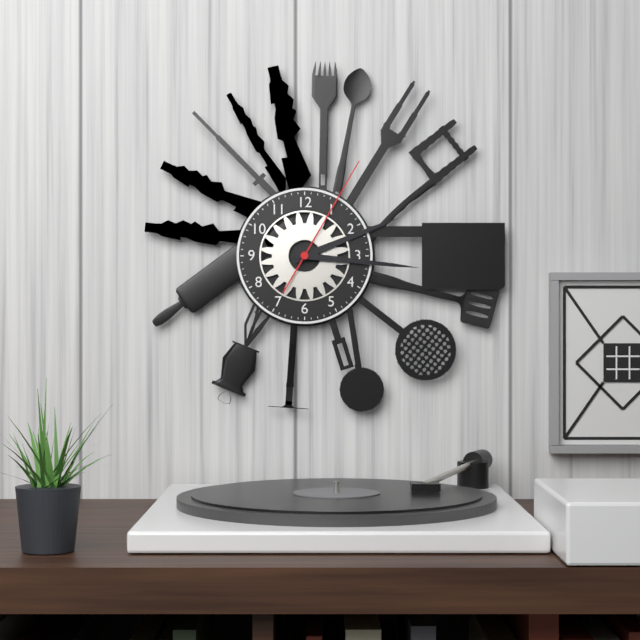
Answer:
**2:16:05**
